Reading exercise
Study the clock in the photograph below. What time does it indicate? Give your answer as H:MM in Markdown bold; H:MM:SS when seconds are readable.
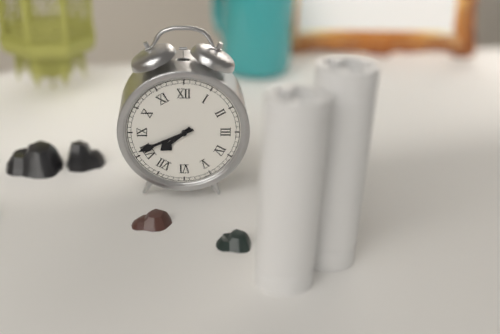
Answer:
**7:41**
